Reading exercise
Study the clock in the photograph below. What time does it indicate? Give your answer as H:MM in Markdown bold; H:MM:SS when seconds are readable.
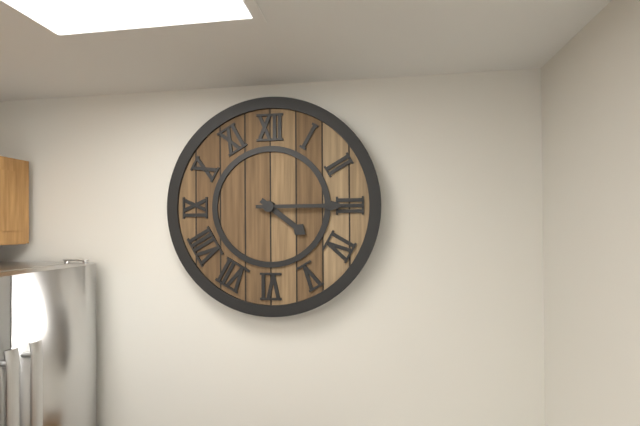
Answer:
**4:15**
